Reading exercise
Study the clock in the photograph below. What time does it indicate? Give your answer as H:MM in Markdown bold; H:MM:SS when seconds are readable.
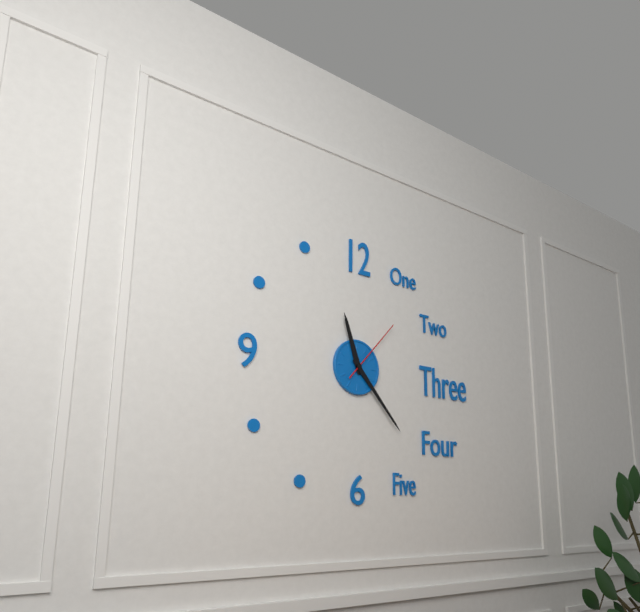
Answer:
**11:23:07**
